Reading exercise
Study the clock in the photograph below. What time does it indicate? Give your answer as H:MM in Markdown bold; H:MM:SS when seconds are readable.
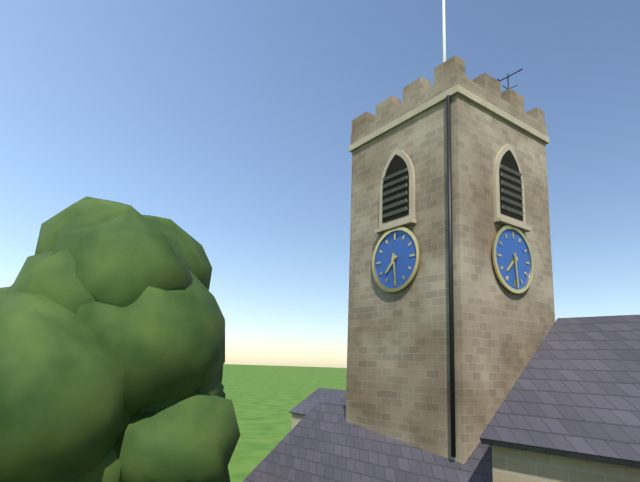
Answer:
**7:29**
